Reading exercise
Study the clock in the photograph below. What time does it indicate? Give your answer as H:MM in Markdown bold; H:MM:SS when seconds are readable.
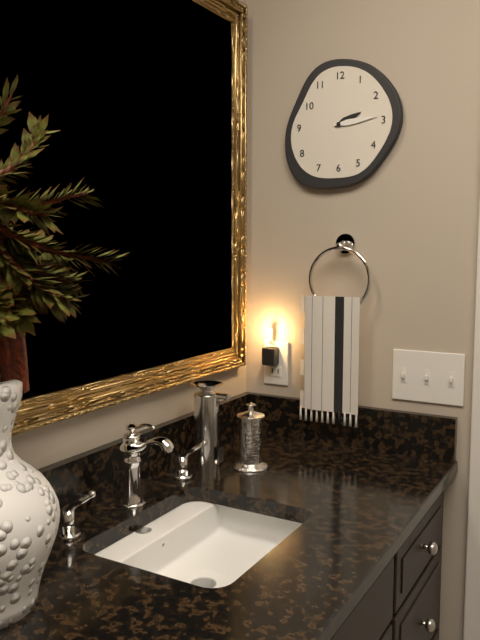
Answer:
**2:14**
